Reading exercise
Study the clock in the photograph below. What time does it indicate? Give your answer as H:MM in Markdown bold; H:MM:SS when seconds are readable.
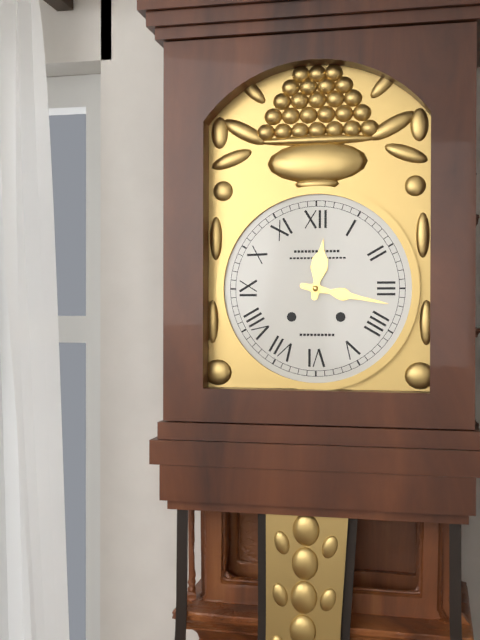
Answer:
**12:17**
